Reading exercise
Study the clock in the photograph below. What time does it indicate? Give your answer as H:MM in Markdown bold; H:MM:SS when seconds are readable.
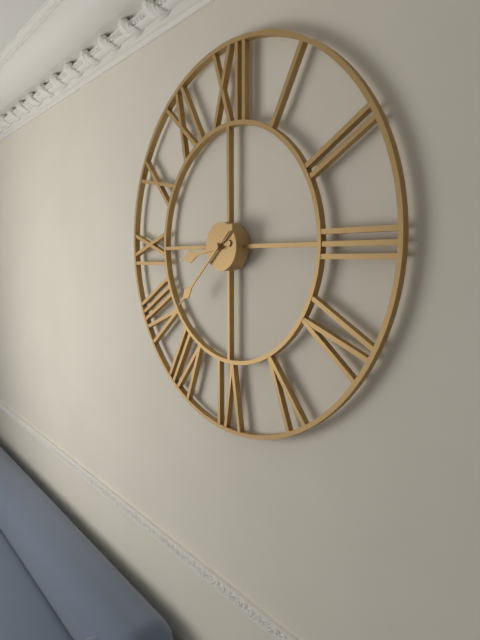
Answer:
**8:38**
